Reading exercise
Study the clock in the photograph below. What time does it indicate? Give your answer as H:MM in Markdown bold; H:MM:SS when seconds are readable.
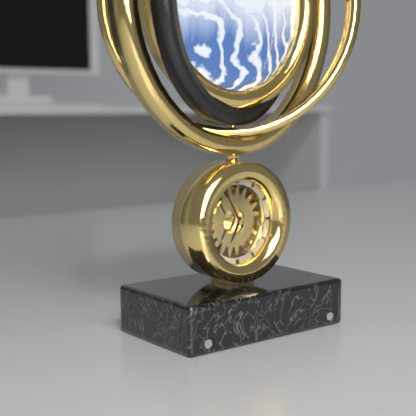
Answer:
**6:55**
